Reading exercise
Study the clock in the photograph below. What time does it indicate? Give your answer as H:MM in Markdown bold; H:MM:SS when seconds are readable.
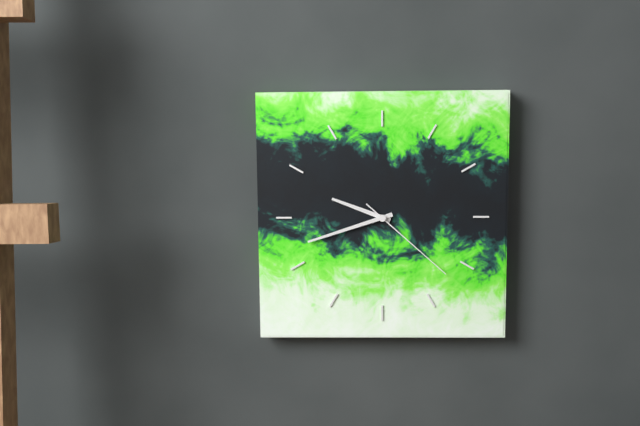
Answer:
**9:42:22**
